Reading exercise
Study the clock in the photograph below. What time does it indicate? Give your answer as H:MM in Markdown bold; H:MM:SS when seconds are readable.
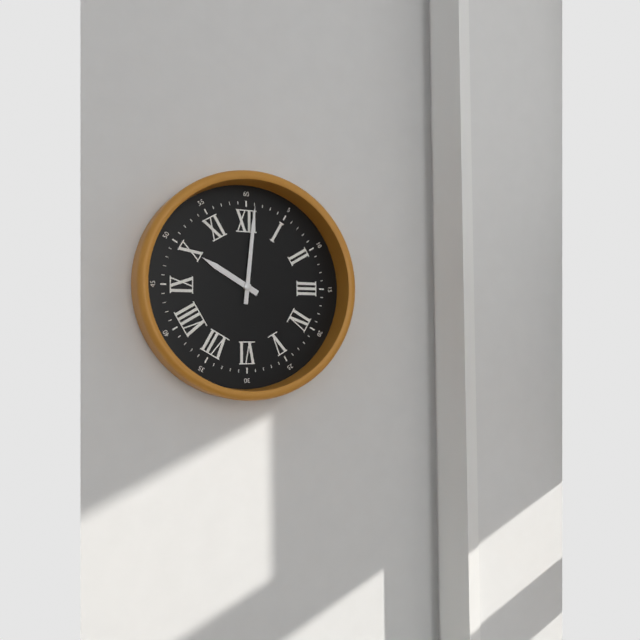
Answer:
**10:01**
